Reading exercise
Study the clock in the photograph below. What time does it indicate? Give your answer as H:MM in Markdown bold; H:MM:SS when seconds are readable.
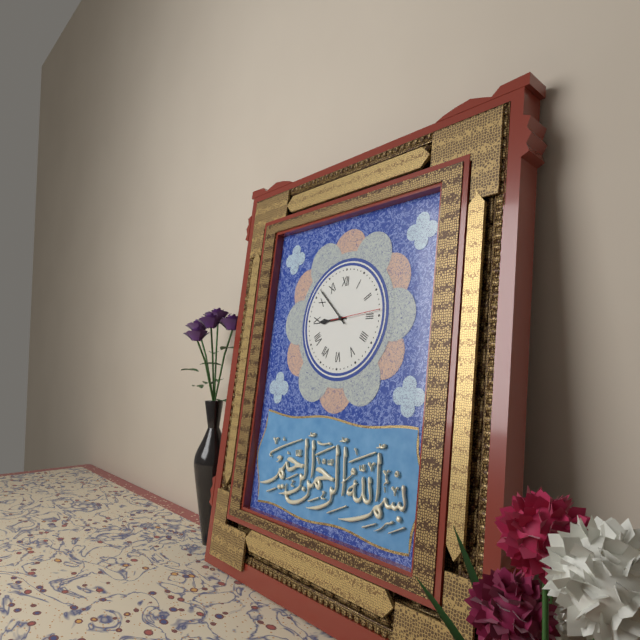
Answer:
**8:52:14**
